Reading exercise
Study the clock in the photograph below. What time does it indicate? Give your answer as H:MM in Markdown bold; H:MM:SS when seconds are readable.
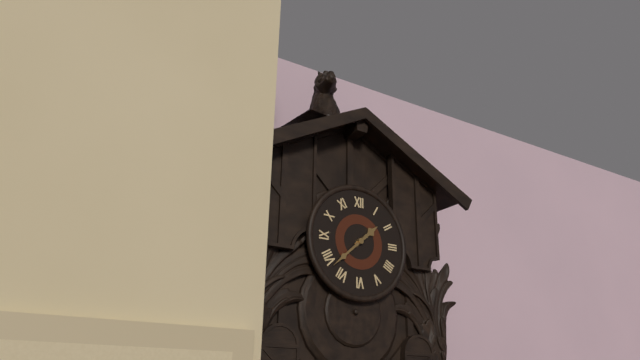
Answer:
**1:38**
